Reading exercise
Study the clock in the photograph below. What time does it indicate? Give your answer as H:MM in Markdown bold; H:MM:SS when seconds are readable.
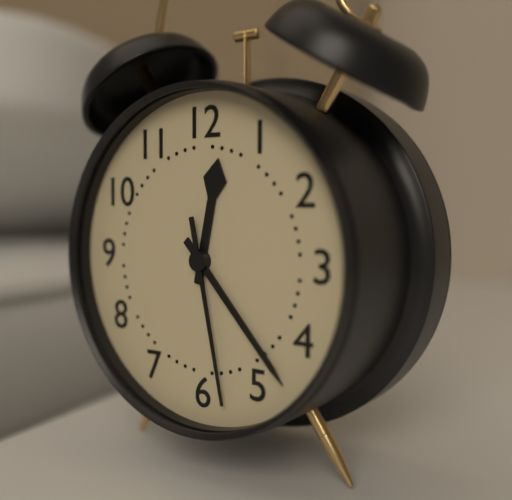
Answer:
**12:23:28**
